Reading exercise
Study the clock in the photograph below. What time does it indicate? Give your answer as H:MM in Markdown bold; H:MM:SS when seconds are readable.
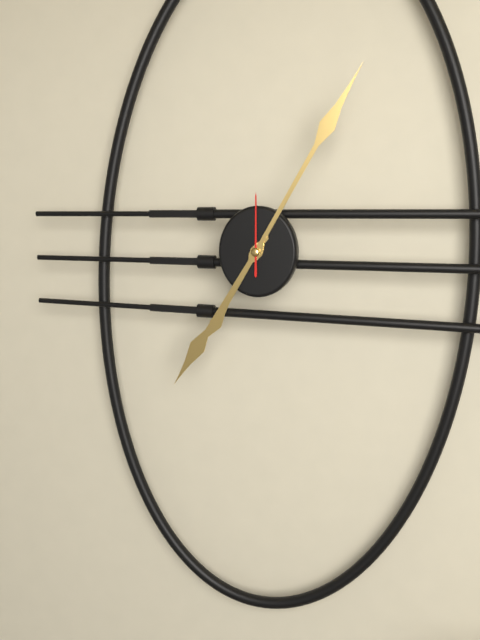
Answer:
**7:05:00**
